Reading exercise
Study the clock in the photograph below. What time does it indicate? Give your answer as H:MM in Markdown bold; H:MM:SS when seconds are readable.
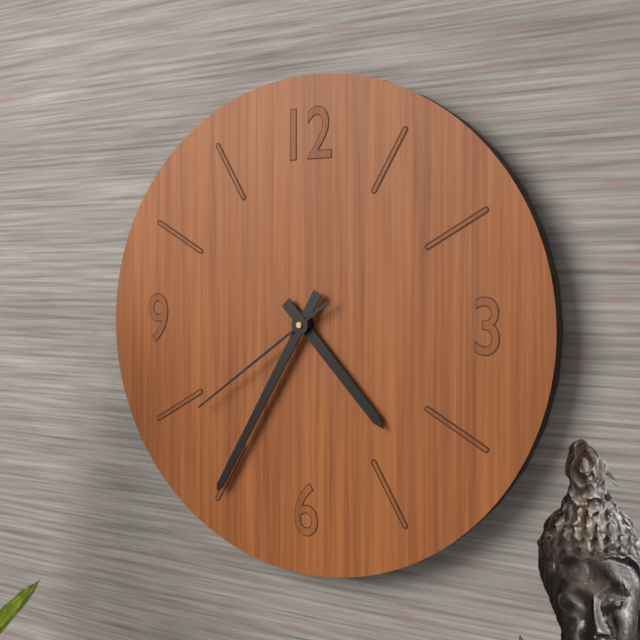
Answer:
**4:35:39**
